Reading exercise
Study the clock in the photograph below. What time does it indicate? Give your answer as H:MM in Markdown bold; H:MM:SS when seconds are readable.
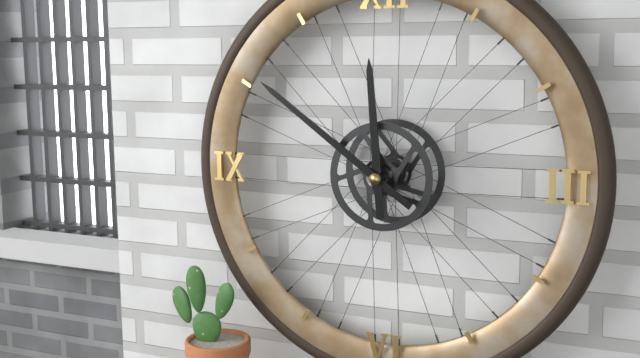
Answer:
**11:51**
